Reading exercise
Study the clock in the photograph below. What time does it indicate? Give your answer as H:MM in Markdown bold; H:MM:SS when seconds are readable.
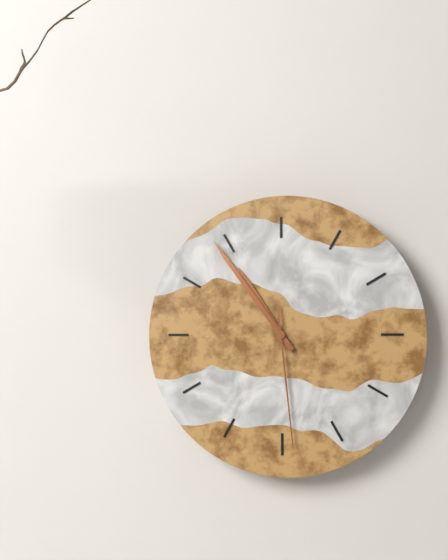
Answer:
**10:54:29**
